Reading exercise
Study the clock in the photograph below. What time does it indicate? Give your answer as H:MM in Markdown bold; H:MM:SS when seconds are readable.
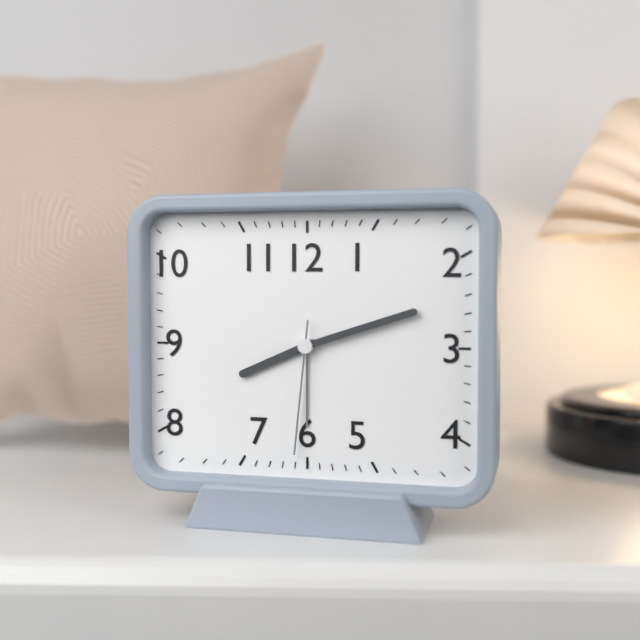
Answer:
**8:12:31**
